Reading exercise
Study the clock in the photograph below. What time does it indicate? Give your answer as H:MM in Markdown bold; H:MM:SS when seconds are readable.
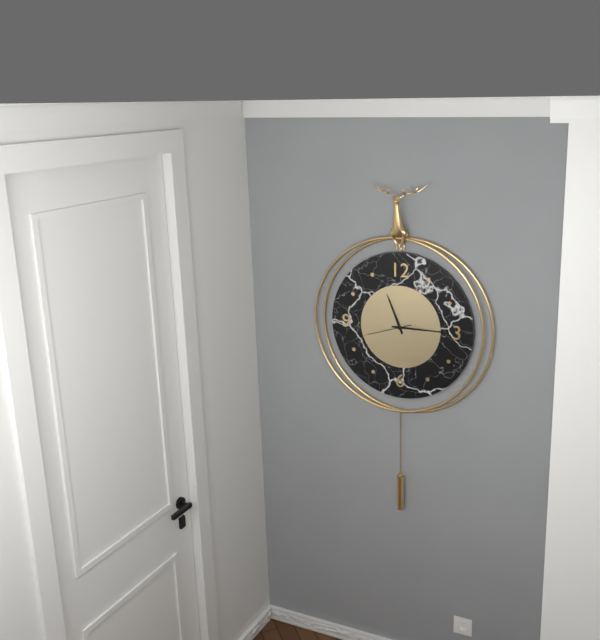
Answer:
**11:15**
